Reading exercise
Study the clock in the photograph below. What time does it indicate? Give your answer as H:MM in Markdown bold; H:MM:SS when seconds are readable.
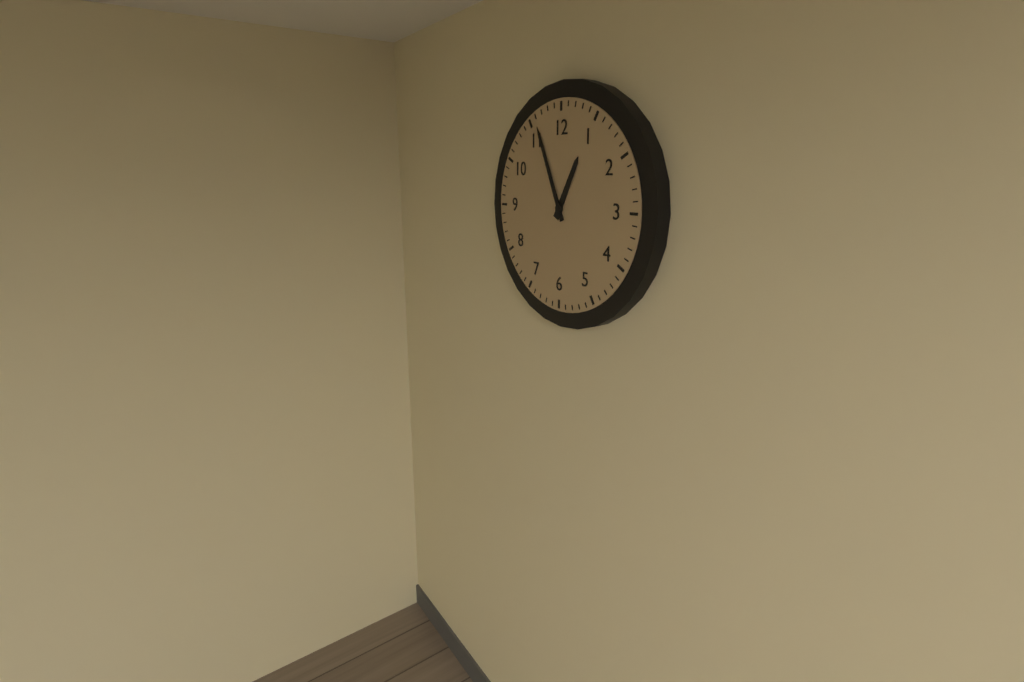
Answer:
**12:56**
